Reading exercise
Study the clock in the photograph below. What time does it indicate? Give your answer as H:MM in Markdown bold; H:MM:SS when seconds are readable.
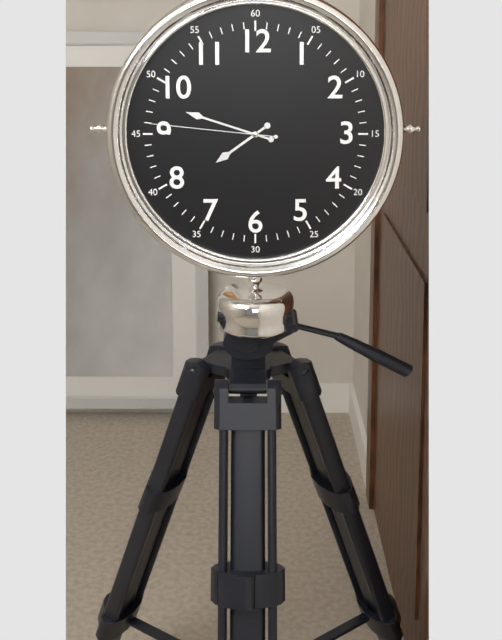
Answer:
**7:48:46**
